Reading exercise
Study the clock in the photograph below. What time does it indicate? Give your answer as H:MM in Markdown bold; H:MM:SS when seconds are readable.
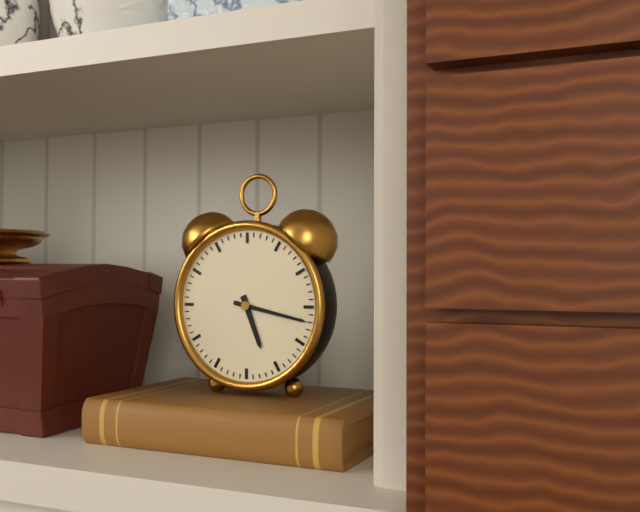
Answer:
**5:17**
